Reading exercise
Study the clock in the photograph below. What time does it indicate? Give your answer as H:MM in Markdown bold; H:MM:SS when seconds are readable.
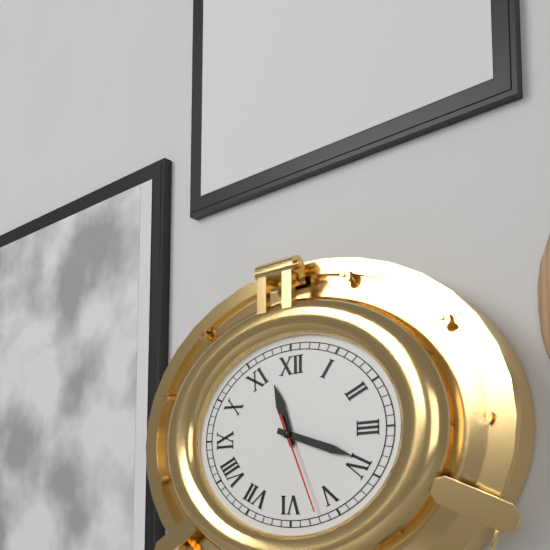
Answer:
**11:18:26**
